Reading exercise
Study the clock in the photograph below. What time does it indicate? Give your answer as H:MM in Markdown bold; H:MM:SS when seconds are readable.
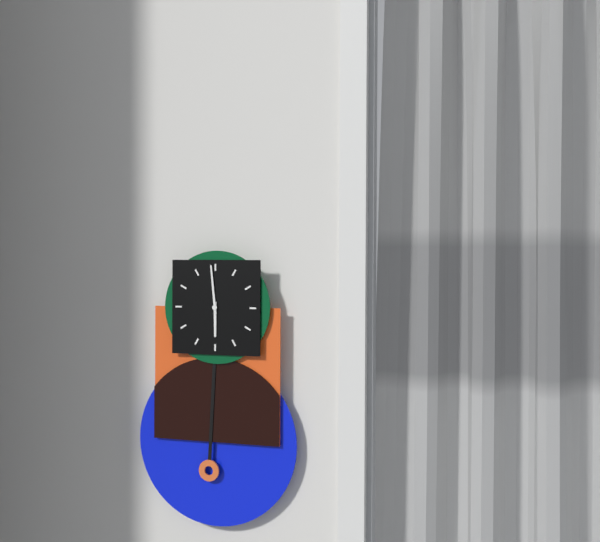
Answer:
**5:59**
